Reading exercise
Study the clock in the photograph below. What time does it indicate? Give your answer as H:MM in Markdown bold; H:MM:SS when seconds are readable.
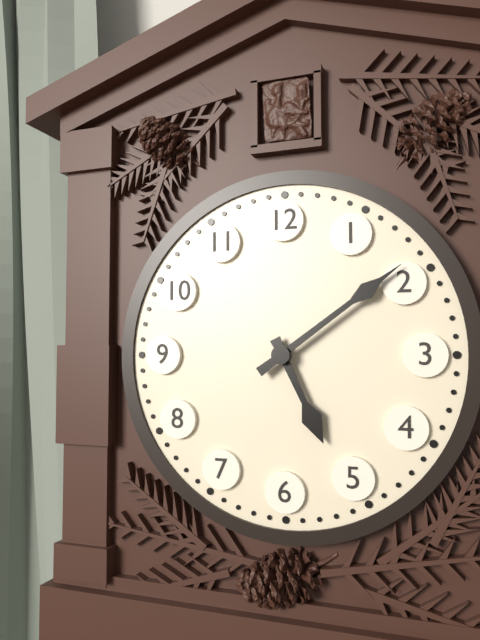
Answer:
**5:09**
